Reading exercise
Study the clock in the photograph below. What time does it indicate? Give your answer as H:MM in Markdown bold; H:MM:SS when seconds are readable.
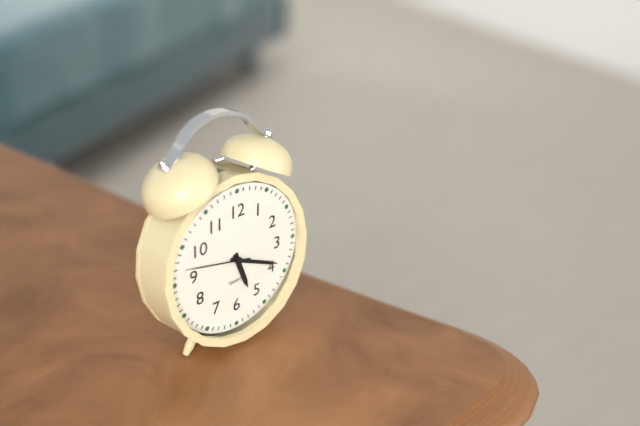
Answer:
**5:19:47**
